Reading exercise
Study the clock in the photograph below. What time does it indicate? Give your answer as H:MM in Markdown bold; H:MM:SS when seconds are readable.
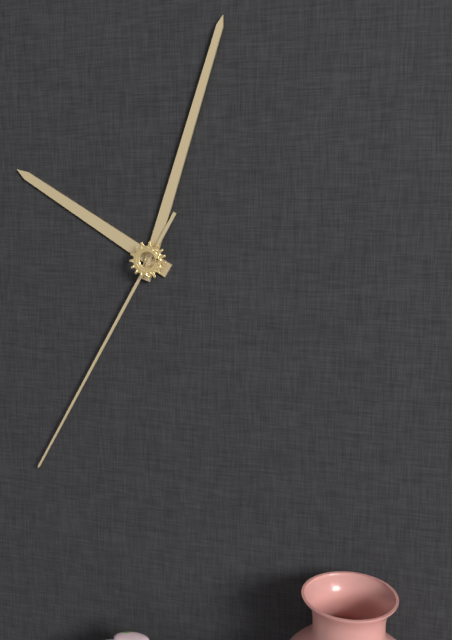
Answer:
**10:03:35**
